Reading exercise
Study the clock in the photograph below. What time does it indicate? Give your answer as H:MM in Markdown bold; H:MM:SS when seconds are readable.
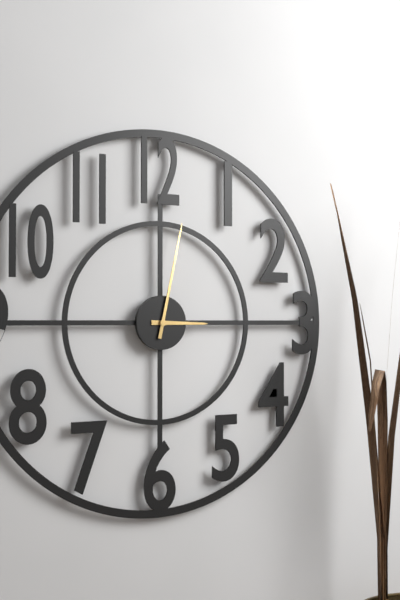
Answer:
**3:02**
